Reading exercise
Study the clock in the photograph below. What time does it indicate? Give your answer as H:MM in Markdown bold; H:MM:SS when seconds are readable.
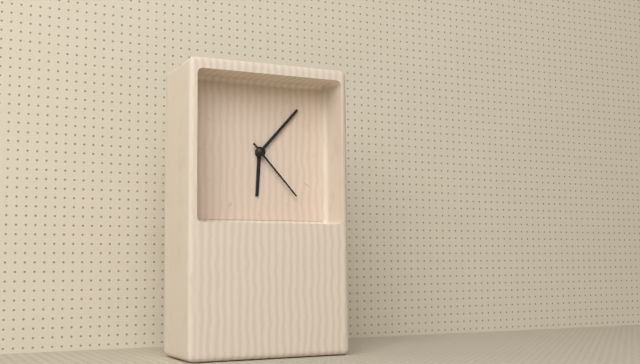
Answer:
**6:07:23**
